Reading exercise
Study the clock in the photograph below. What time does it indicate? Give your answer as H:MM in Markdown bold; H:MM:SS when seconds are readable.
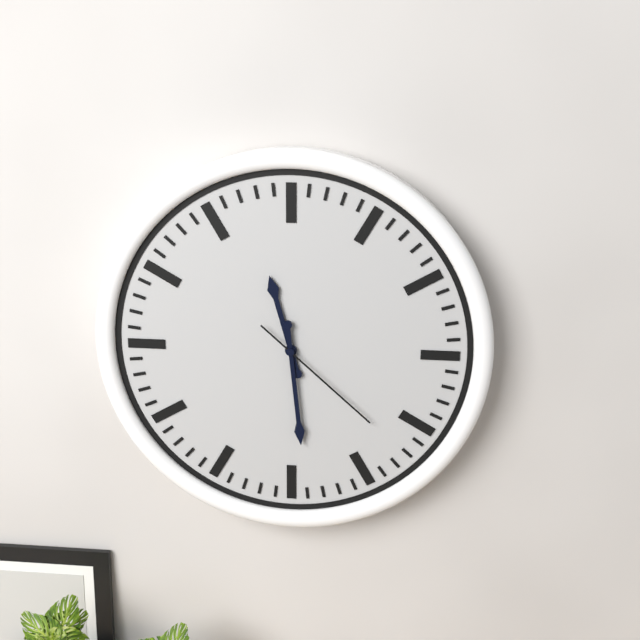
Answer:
**11:29:22**
